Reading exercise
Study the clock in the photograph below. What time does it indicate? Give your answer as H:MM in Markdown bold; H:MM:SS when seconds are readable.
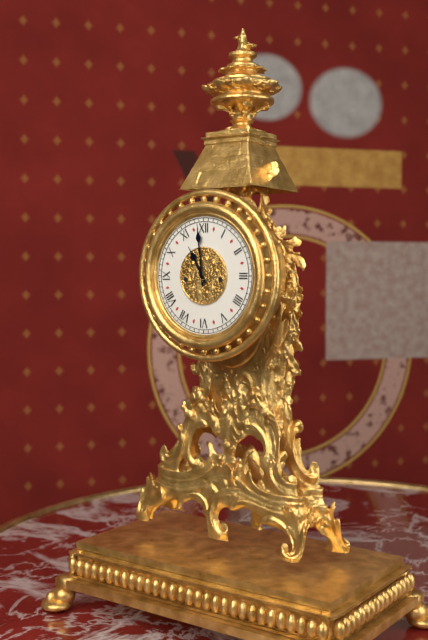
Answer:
**10:59**
